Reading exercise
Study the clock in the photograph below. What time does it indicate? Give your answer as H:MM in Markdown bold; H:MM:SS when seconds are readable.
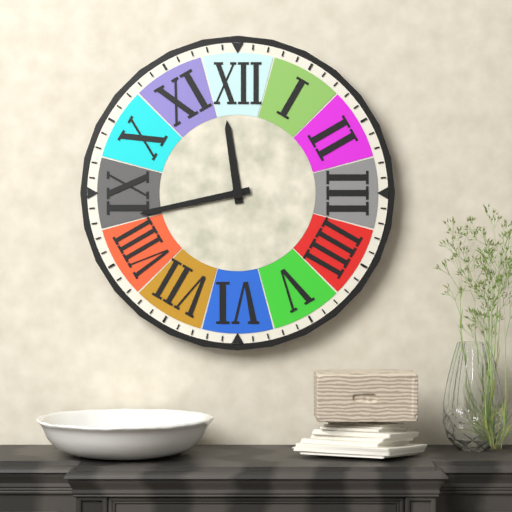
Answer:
**11:43**
